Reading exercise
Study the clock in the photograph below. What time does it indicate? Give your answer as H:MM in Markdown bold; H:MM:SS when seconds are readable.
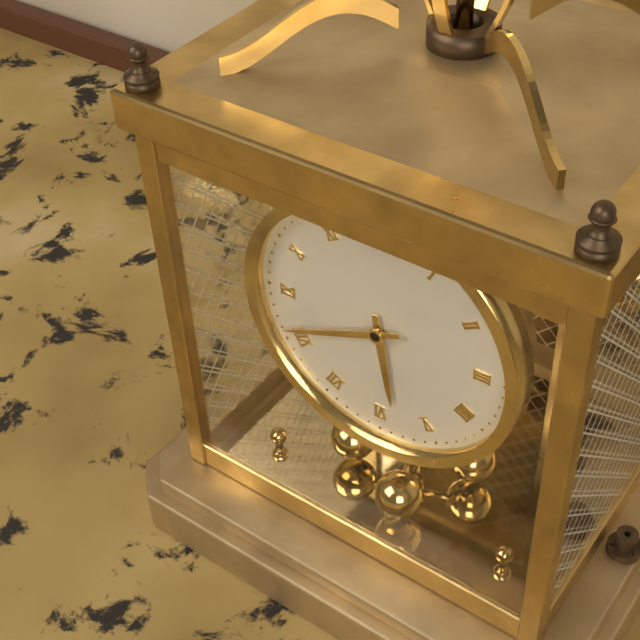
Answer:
**5:41**
